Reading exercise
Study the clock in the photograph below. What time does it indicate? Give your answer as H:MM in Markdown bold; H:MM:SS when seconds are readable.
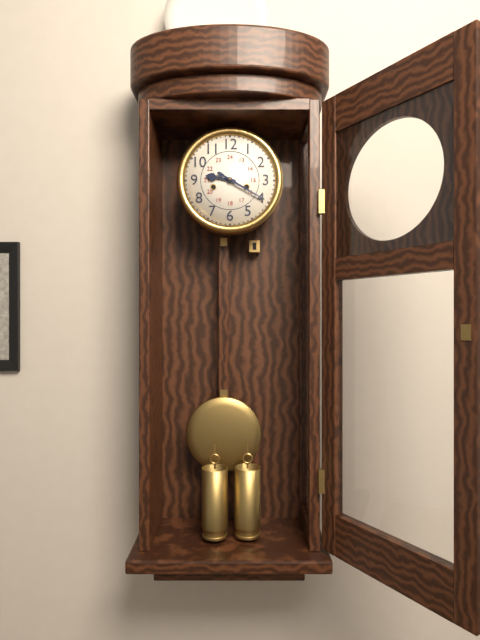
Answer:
**9:20**
